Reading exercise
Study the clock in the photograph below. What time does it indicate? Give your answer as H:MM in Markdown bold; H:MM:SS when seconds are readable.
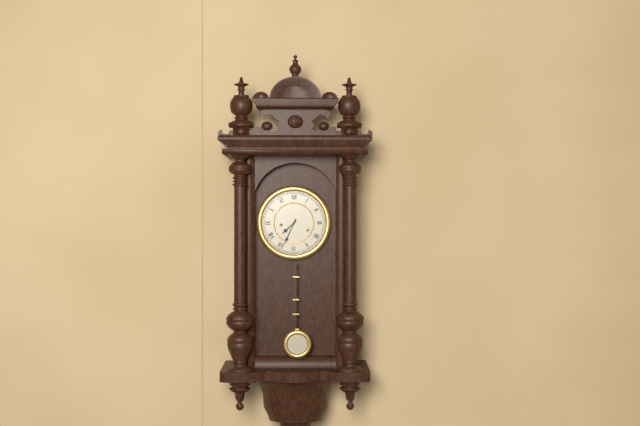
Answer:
**7:34**
